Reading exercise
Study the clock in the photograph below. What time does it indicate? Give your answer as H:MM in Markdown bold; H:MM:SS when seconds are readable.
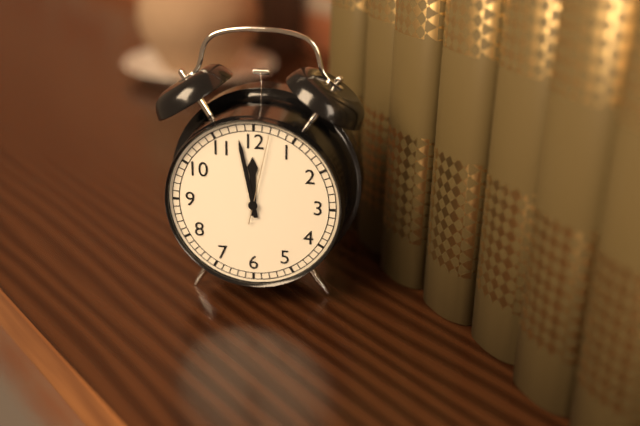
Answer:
**11:58:02**
